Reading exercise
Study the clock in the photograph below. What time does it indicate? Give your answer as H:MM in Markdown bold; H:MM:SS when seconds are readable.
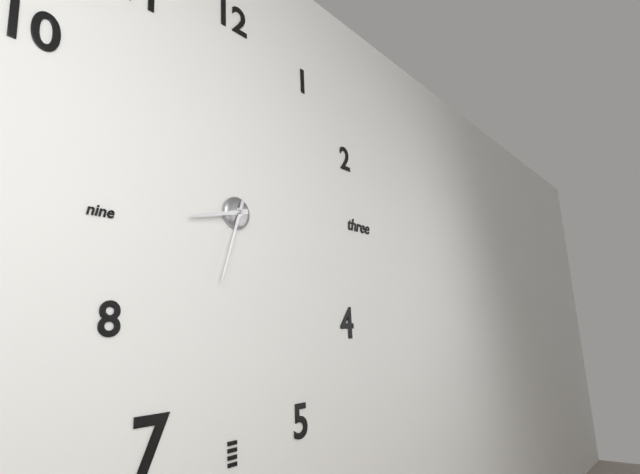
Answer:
**8:33**
